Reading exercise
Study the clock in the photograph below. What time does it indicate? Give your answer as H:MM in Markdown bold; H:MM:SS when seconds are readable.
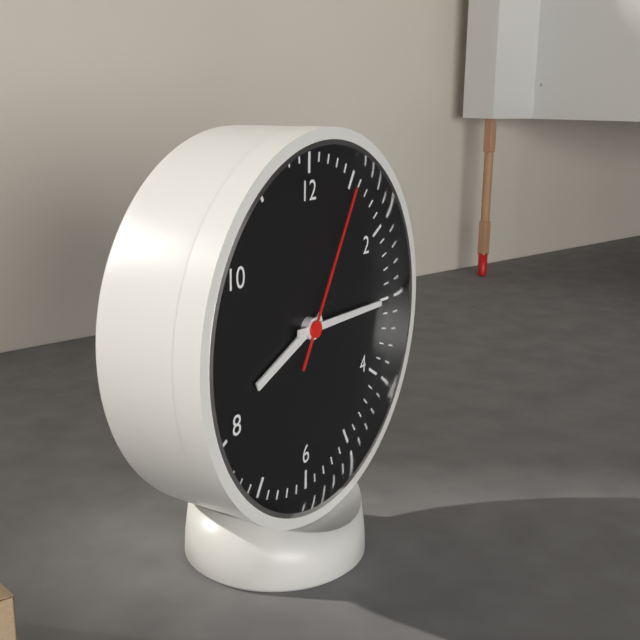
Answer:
**8:15:05**
